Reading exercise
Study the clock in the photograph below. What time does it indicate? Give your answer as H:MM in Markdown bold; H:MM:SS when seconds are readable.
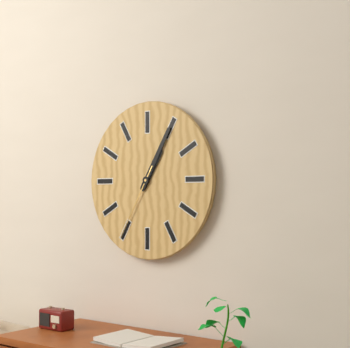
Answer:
**1:05:35**
